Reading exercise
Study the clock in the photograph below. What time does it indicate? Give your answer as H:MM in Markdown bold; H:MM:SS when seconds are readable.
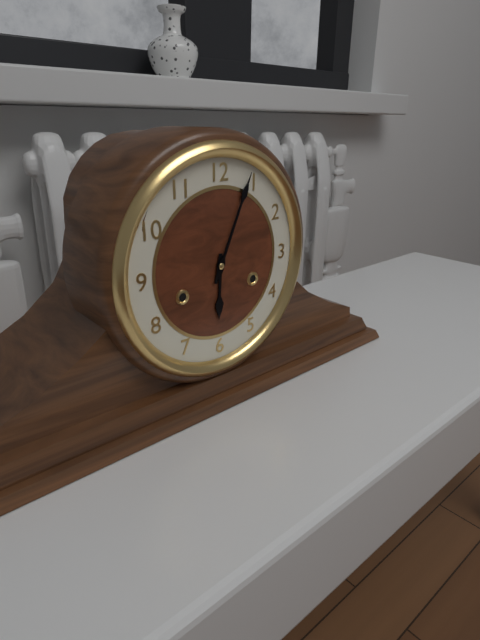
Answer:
**6:04**
